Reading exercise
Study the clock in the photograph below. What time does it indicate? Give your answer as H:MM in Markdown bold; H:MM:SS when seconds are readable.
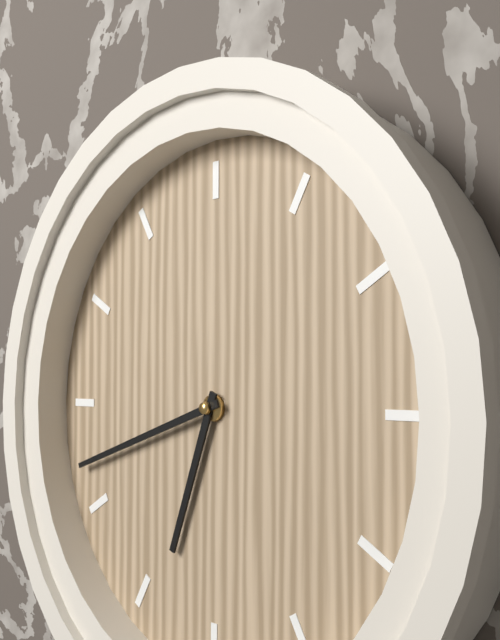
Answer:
**6:42**
